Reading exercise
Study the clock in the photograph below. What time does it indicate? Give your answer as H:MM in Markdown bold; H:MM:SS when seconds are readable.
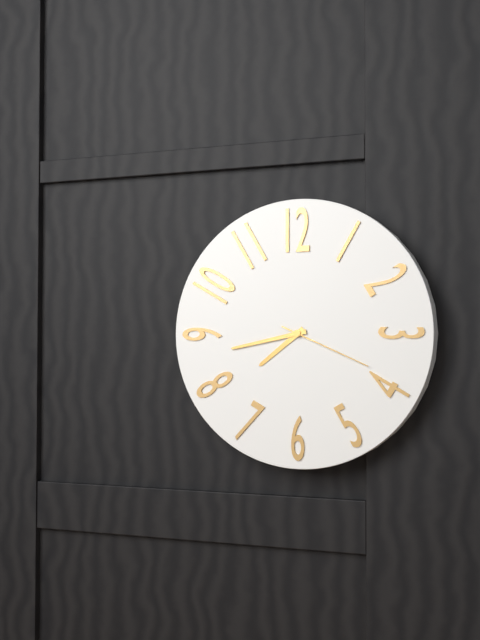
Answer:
**7:43:19**
